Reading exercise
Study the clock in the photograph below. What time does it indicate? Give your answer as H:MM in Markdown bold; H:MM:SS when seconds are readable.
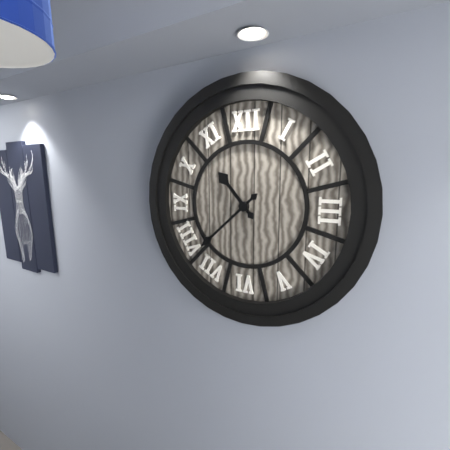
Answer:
**10:38**
